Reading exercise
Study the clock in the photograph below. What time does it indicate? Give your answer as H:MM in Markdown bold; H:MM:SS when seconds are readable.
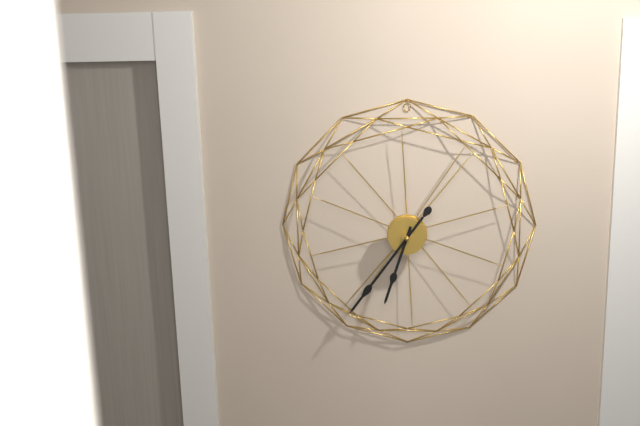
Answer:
**6:36**
